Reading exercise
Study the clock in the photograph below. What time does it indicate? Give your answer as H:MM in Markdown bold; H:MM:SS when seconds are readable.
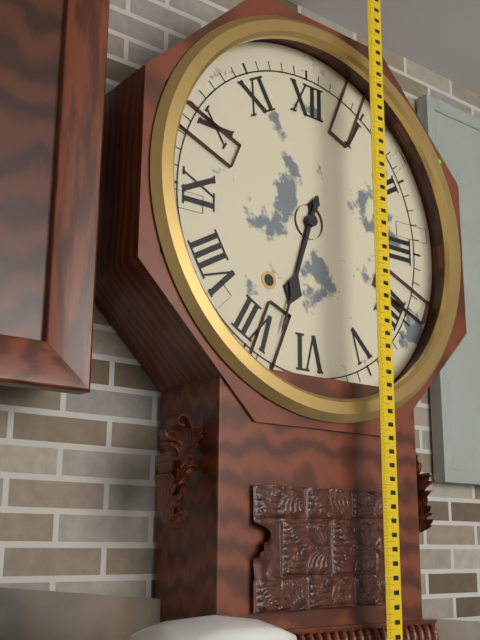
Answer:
**6:33**
